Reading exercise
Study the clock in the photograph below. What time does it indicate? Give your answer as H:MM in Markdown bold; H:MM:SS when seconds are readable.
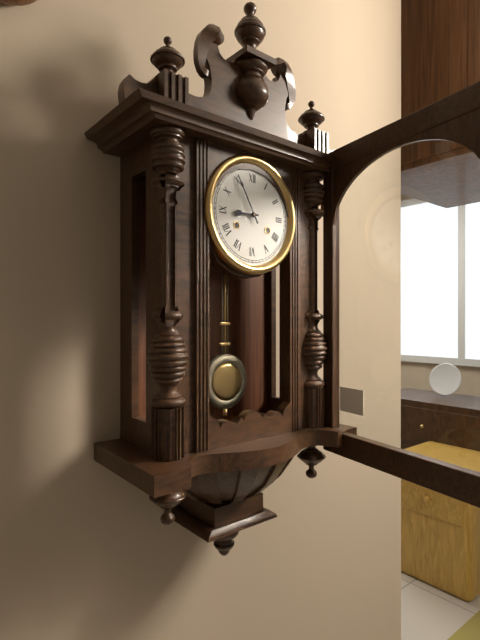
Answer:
**8:55**
